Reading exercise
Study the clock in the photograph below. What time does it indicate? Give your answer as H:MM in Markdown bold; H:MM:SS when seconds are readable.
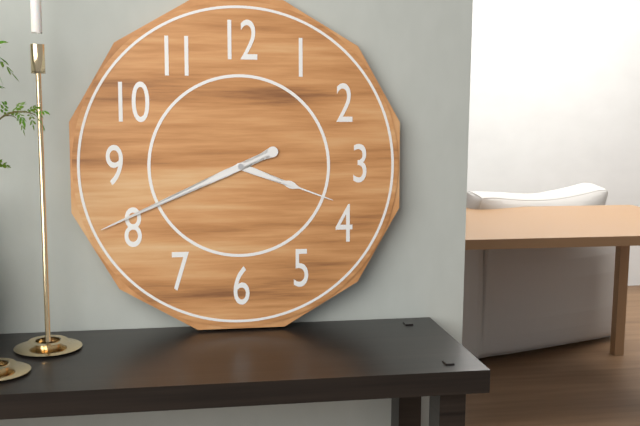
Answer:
**3:41**
